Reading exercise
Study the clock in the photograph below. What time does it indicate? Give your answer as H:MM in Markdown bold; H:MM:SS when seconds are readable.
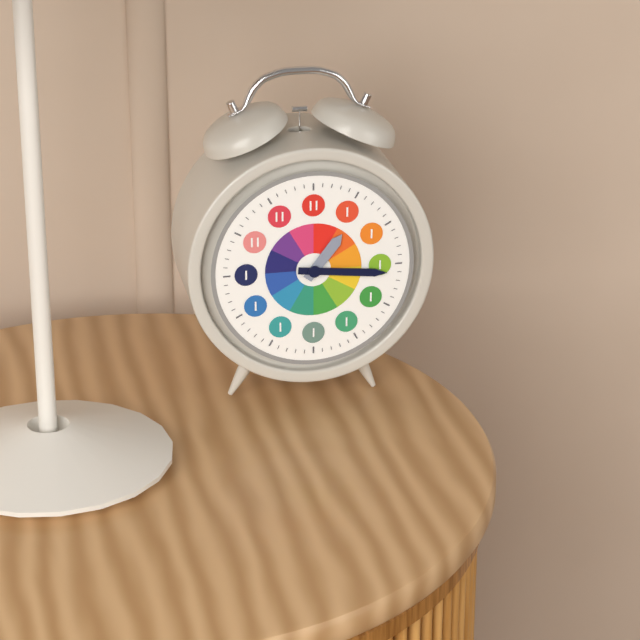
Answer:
**1:16**
